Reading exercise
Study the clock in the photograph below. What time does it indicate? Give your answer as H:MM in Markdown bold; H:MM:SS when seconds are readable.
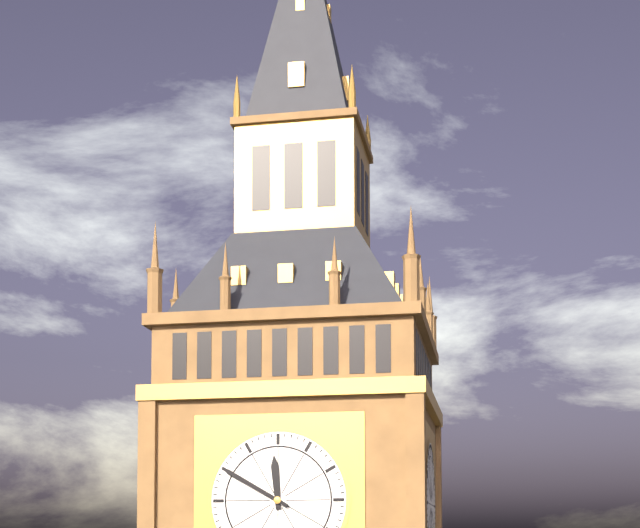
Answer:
**11:50**
